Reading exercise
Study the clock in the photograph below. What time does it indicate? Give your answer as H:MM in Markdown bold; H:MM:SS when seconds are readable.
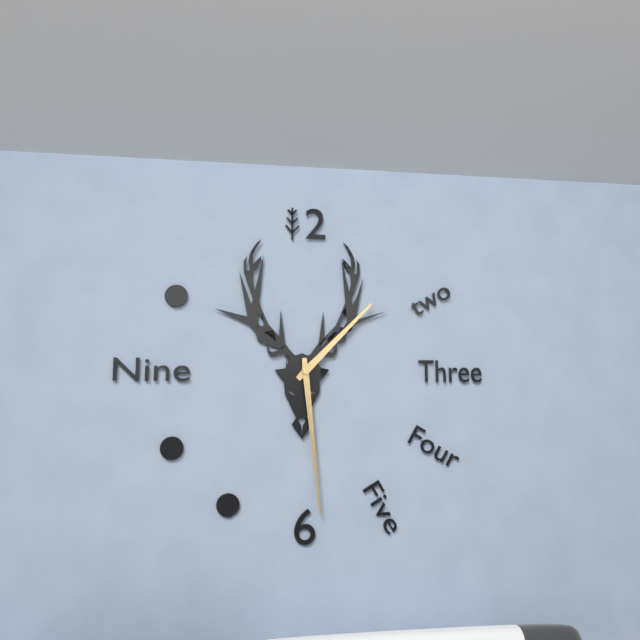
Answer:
**1:29**
